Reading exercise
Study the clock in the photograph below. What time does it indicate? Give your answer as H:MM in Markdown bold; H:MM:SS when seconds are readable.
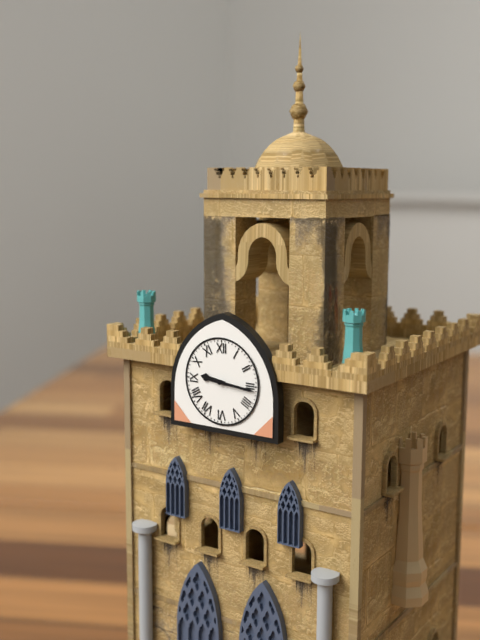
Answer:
**9:16**
